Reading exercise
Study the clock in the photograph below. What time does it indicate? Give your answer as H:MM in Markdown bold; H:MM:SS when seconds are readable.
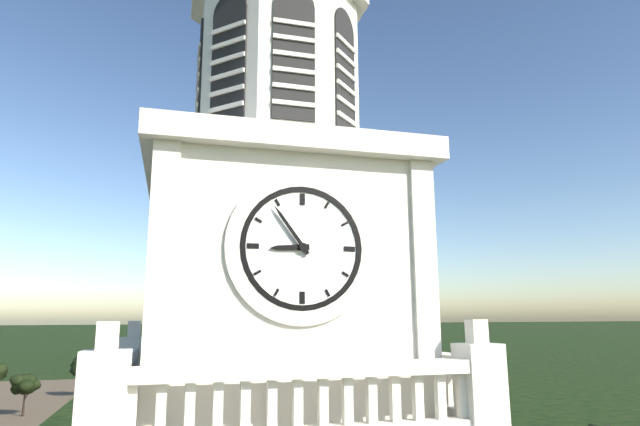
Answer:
**8:54**
